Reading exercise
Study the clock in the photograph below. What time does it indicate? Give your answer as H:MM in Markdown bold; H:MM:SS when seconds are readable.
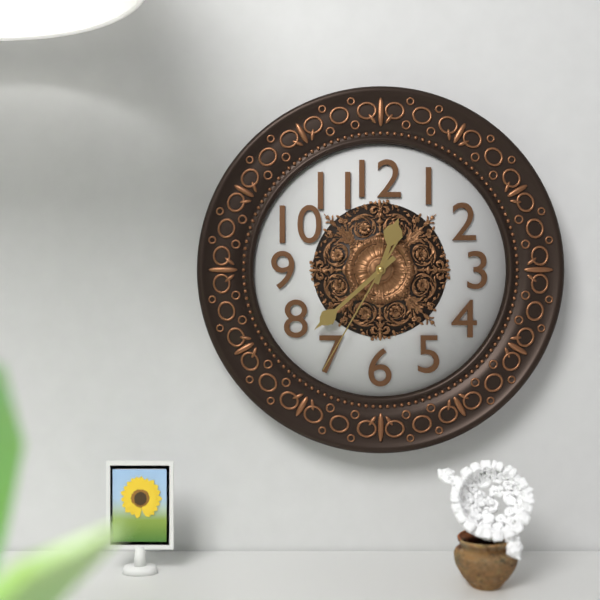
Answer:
**12:38:35**
